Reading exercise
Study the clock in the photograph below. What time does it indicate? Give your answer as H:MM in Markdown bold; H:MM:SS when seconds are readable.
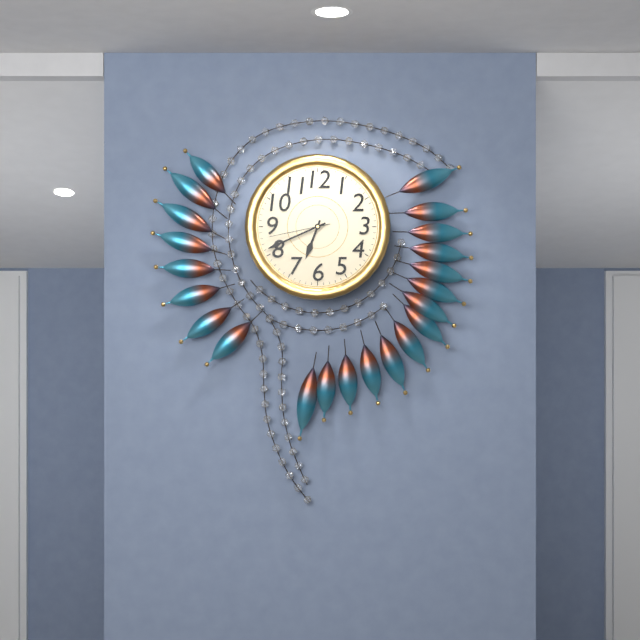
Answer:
**6:41:43**
